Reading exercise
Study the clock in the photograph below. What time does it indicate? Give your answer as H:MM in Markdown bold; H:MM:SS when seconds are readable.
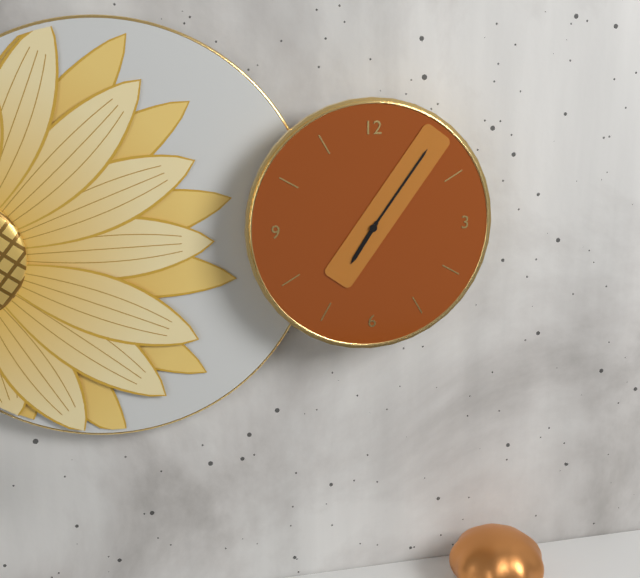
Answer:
**7:06**
